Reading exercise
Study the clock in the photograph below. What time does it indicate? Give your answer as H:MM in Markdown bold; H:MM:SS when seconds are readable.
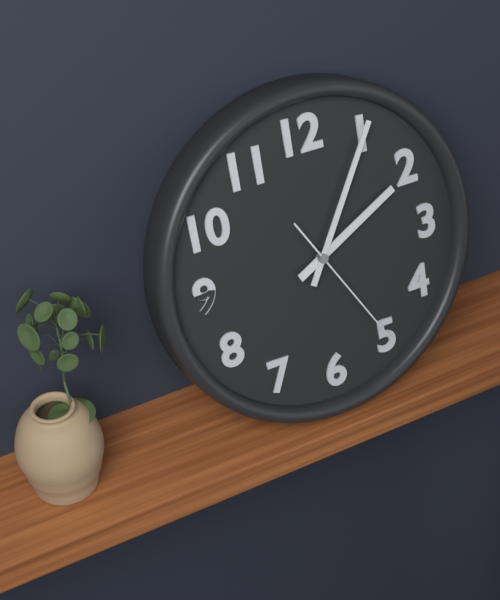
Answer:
**2:05:25**
